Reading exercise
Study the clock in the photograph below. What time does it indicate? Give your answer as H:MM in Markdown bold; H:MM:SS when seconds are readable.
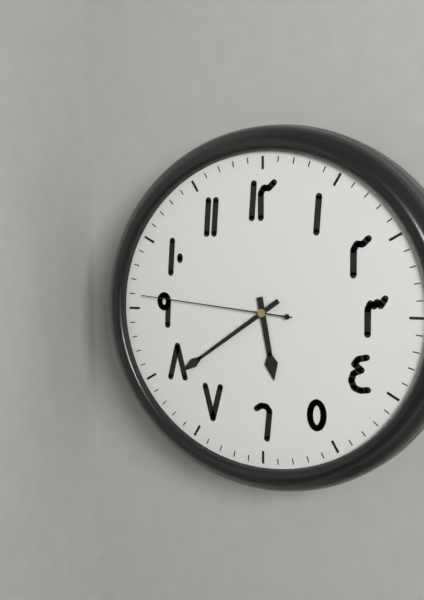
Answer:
**5:39:46**
